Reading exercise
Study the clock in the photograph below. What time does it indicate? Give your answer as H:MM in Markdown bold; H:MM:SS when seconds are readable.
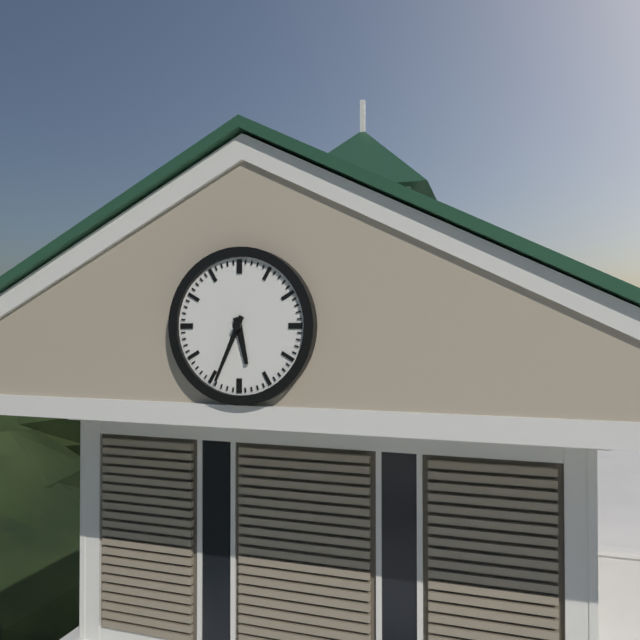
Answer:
**5:34**
